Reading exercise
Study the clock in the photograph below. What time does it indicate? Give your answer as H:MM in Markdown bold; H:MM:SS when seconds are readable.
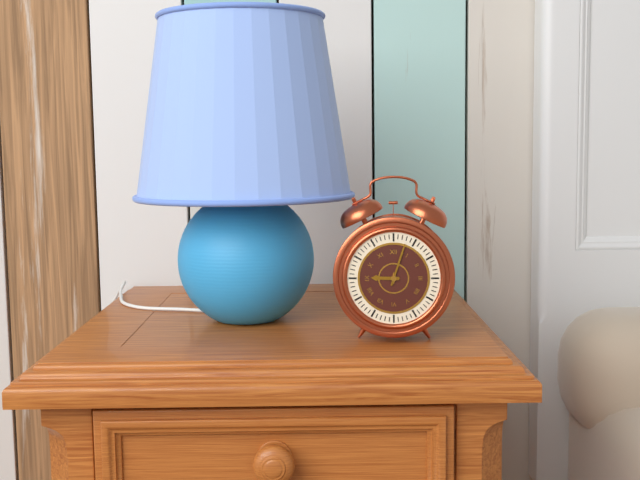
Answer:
**9:03**
